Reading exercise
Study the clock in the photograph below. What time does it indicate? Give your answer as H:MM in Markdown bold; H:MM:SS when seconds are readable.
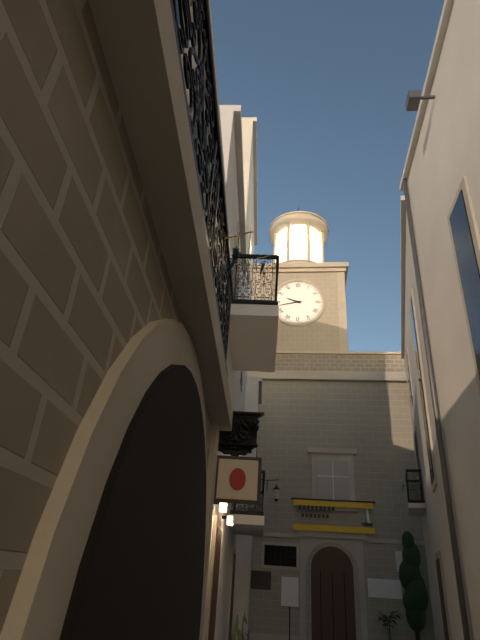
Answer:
**9:43**
